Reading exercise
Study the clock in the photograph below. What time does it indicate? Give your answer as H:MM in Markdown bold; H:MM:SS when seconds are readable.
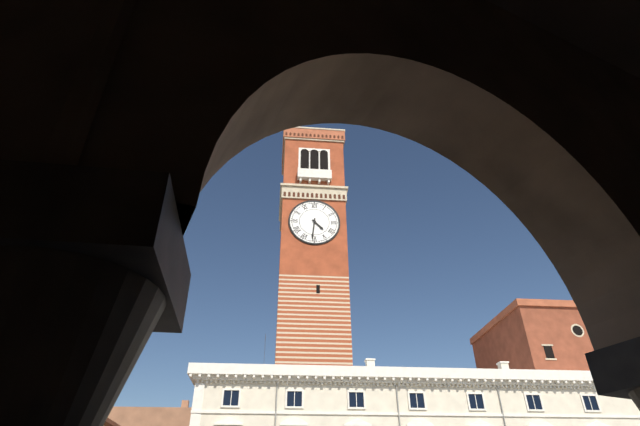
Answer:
**4:31**
